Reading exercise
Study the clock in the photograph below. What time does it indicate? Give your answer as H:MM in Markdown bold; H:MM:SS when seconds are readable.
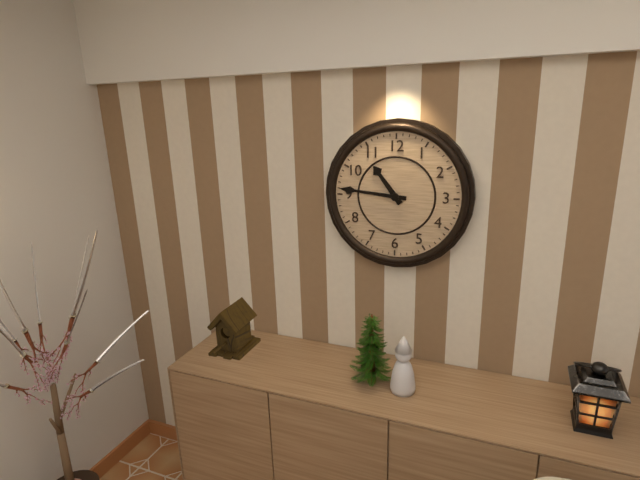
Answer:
**10:46**
